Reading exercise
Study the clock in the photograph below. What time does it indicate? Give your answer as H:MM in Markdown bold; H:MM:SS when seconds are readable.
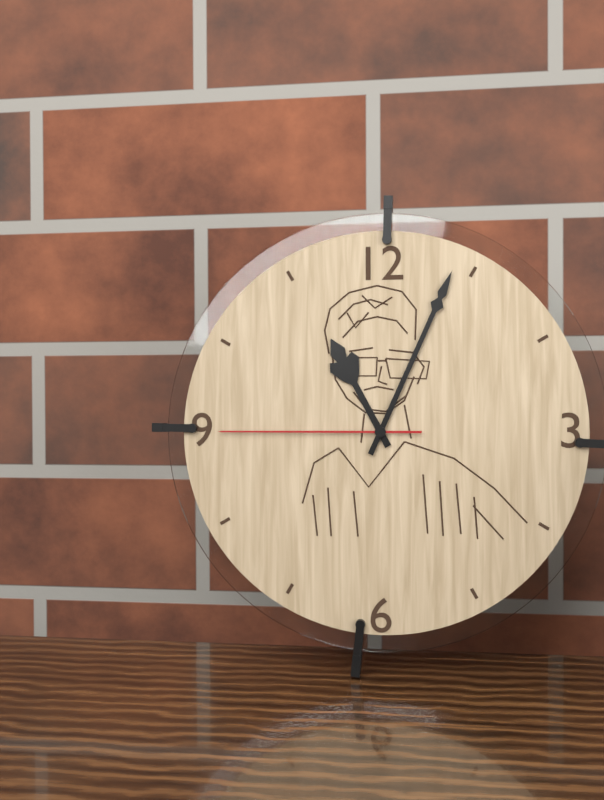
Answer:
**11:04:45**
